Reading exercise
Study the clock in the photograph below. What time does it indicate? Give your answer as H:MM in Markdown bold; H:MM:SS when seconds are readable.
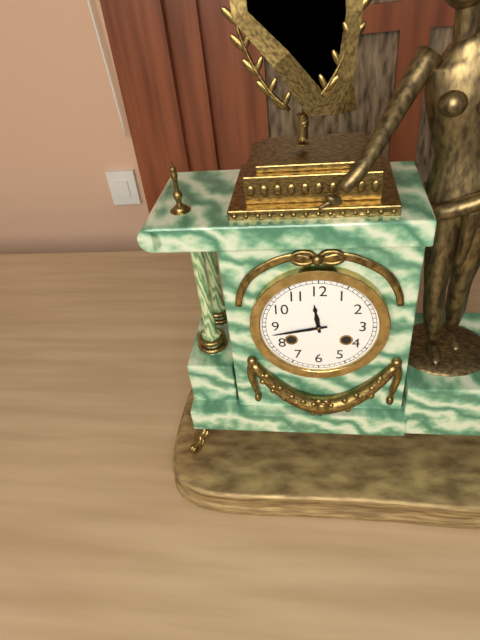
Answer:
**11:43**
